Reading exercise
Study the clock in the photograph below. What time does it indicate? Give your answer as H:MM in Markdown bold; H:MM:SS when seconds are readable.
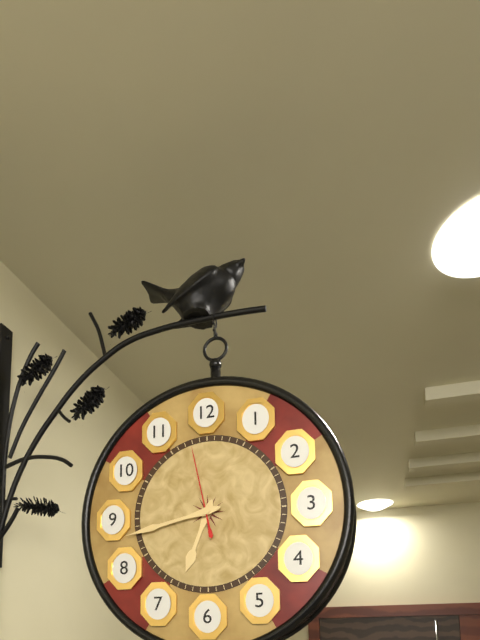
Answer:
**6:43:58**
